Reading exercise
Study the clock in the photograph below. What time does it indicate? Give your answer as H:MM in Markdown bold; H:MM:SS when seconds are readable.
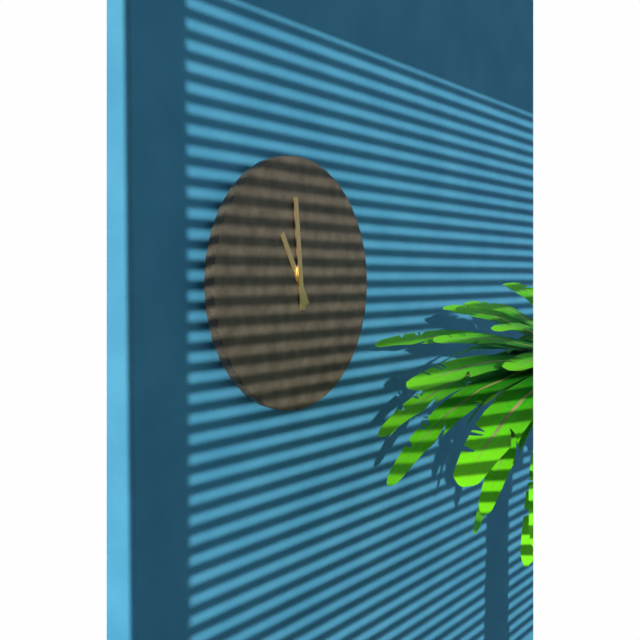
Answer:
**10:59**
